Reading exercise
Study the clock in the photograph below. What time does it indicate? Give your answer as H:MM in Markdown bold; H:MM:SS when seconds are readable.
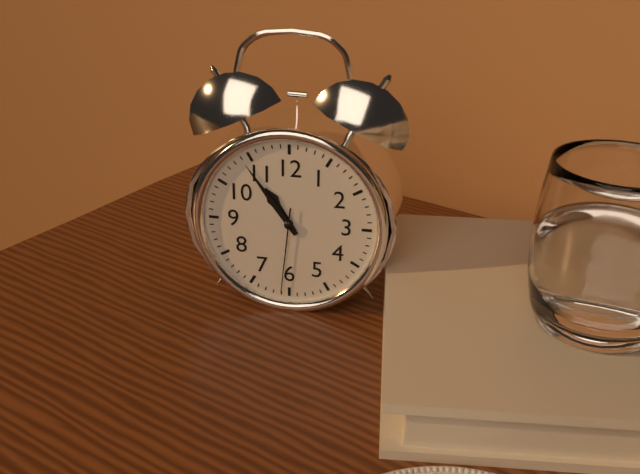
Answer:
**10:54:31**
